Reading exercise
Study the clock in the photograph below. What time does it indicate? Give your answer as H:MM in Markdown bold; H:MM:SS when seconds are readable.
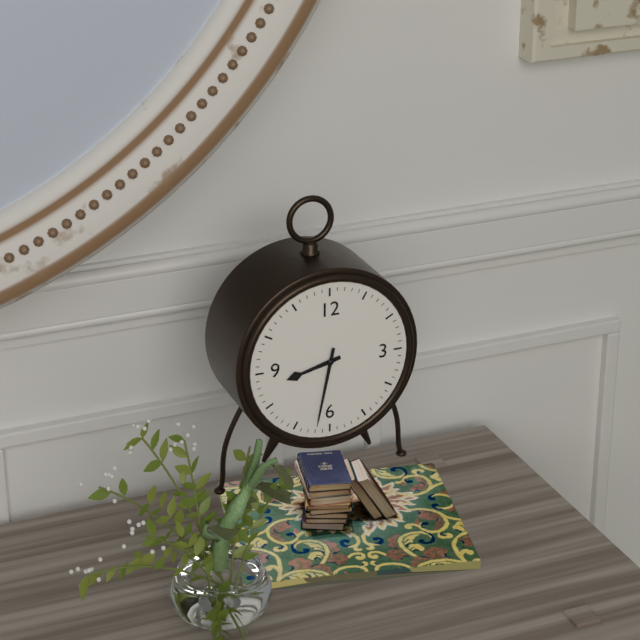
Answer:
**8:32**
